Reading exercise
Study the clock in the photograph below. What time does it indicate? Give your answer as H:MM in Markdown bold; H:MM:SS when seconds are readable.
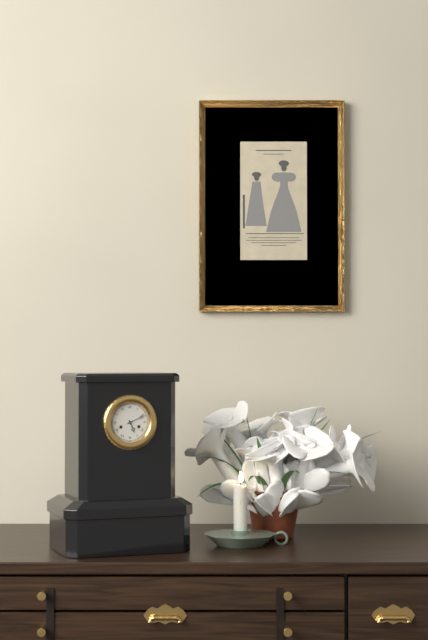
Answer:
**5:11**
